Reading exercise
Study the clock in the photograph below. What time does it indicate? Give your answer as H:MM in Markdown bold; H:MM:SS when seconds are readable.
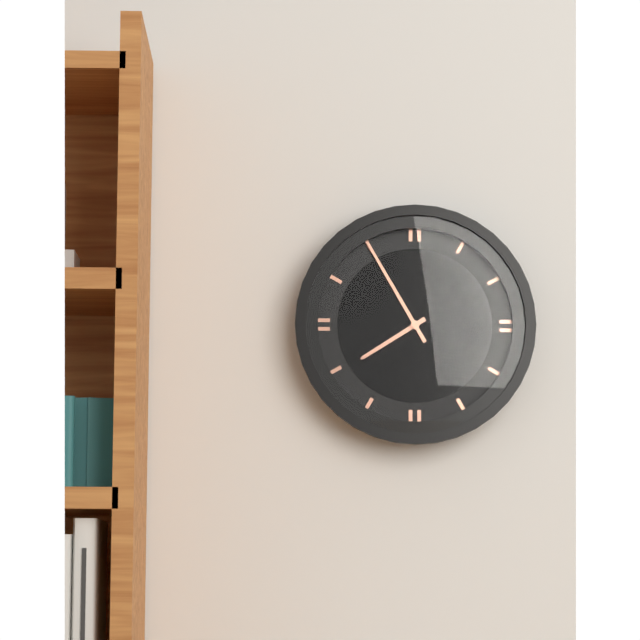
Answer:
**7:55**
